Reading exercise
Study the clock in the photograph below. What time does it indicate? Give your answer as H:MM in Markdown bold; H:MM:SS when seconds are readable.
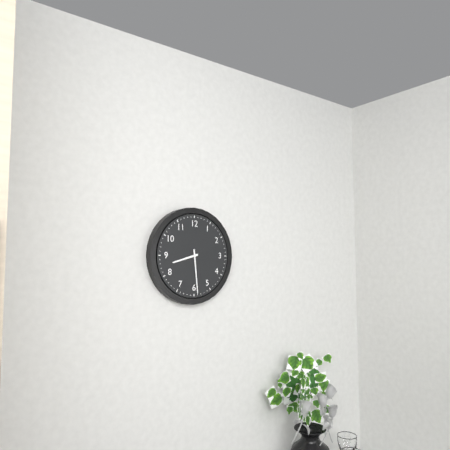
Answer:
**8:29**
